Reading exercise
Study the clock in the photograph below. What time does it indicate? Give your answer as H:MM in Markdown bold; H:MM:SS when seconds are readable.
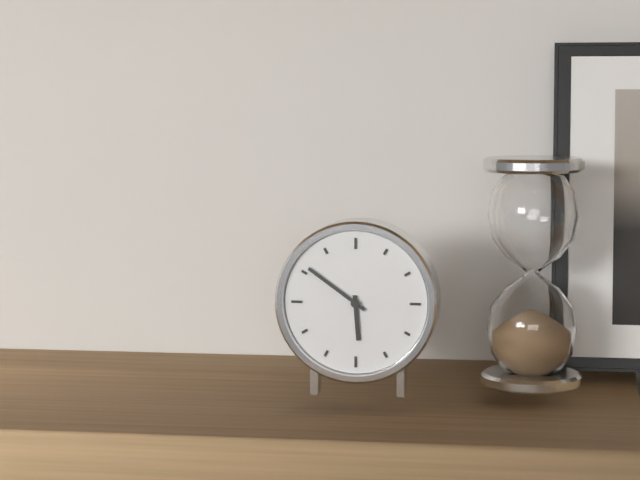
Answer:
**5:51**
